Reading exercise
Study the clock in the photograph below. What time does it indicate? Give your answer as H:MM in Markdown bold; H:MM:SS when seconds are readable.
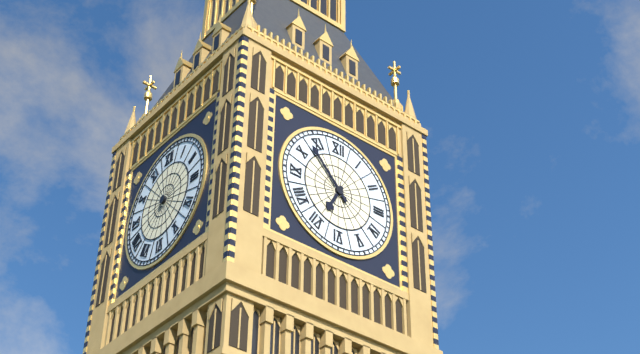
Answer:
**6:53**
